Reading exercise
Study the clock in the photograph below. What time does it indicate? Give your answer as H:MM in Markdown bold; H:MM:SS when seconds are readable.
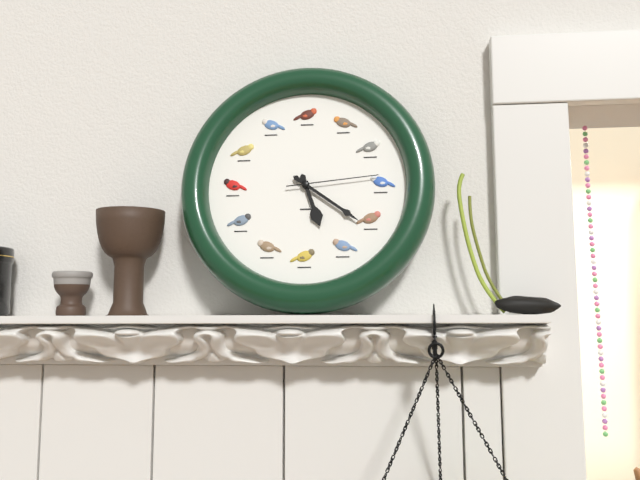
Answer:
**5:21:14**
